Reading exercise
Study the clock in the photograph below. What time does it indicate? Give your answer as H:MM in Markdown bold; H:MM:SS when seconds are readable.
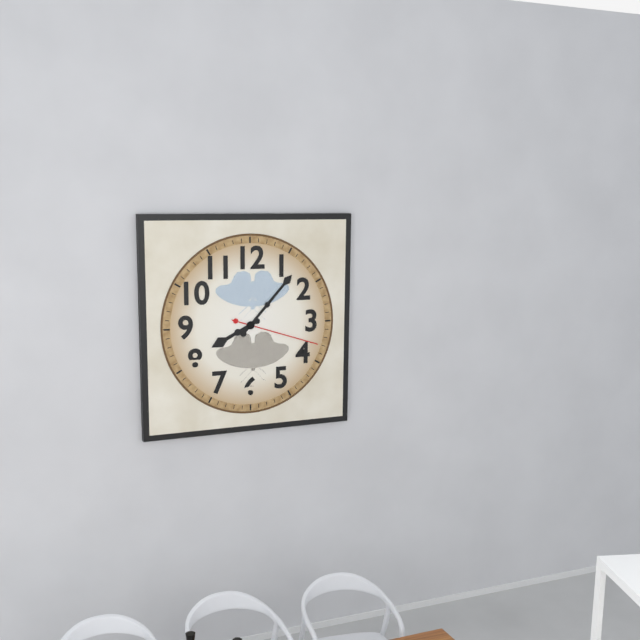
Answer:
**8:07:18**
